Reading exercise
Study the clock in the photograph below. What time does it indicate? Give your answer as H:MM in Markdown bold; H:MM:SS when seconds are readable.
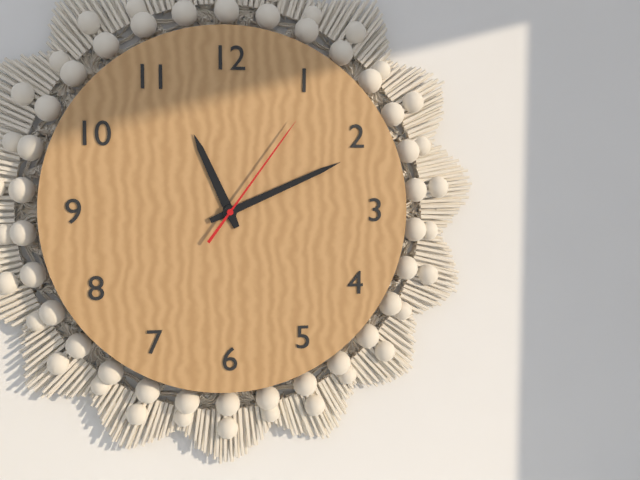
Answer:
**11:11:06**
